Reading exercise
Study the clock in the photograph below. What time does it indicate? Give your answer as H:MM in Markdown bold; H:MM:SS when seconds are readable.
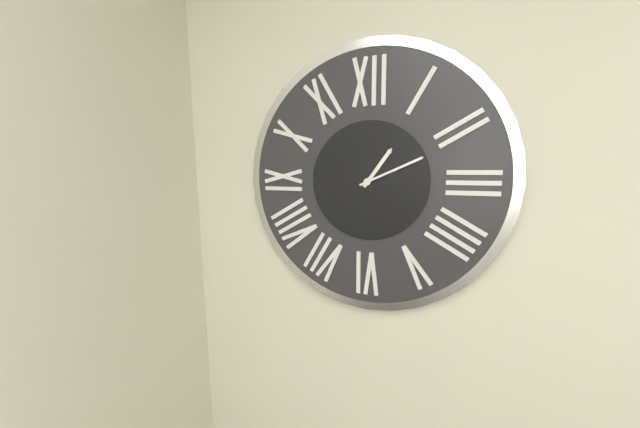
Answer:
**1:11**
